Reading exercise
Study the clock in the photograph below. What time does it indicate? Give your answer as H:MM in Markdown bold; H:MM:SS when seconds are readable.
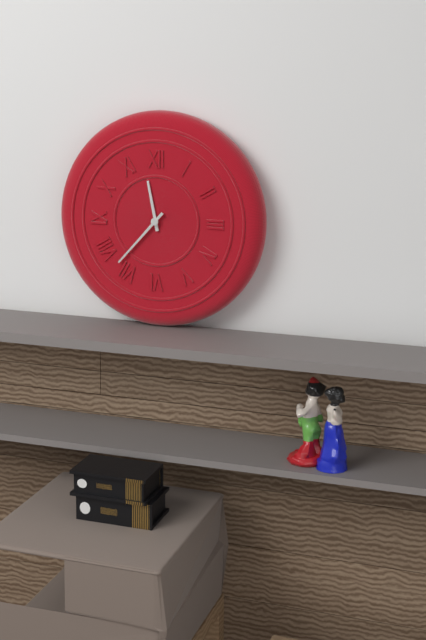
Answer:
**11:37**
